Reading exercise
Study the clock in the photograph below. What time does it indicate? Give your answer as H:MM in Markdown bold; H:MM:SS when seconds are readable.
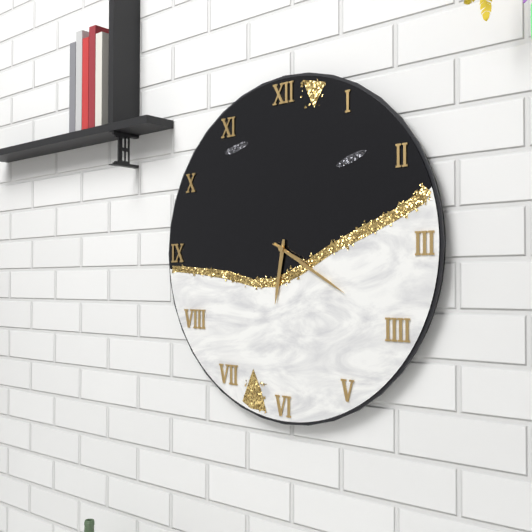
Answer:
**6:20**
